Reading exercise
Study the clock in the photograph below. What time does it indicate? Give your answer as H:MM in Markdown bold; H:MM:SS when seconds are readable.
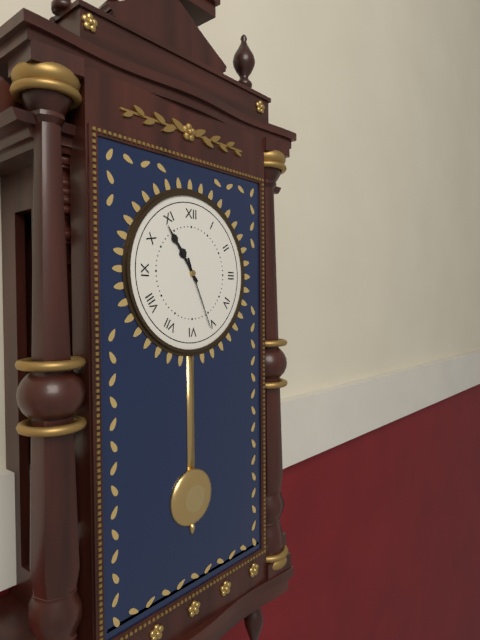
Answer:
**10:54:26**
